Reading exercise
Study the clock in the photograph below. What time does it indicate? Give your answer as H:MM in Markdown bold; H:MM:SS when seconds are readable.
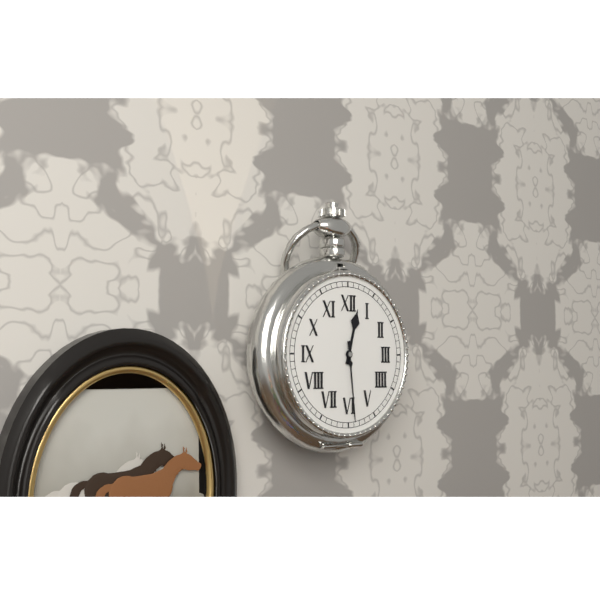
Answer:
**12:29**
